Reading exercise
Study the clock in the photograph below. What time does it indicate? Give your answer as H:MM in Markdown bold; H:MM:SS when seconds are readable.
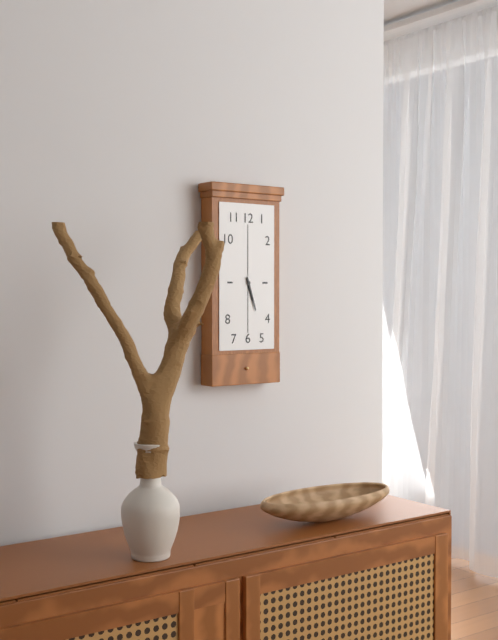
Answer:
**5:27**
